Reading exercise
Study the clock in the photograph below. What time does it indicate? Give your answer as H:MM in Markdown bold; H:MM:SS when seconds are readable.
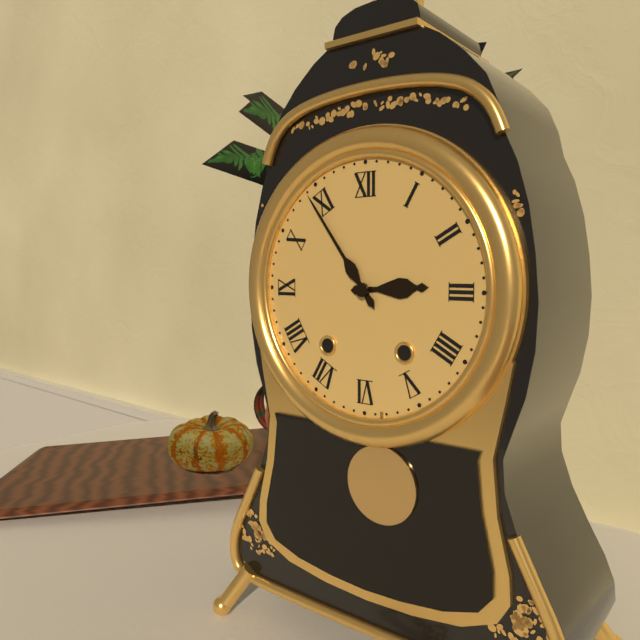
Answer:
**2:54**
